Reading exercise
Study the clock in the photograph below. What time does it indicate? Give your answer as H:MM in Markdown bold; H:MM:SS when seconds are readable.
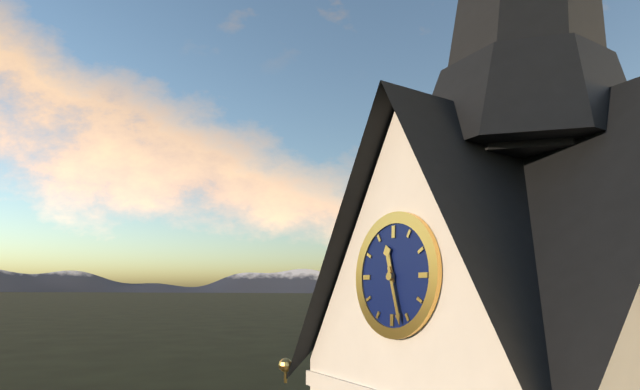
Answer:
**11:27**
